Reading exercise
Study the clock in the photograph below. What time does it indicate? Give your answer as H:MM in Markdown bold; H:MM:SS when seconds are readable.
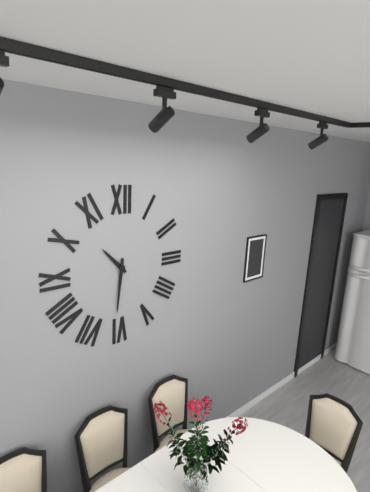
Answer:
**10:31**
